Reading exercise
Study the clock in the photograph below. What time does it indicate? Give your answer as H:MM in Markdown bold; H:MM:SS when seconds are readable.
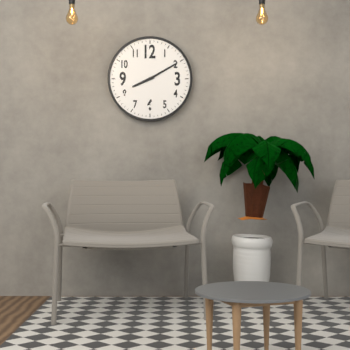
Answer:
**8:10**
